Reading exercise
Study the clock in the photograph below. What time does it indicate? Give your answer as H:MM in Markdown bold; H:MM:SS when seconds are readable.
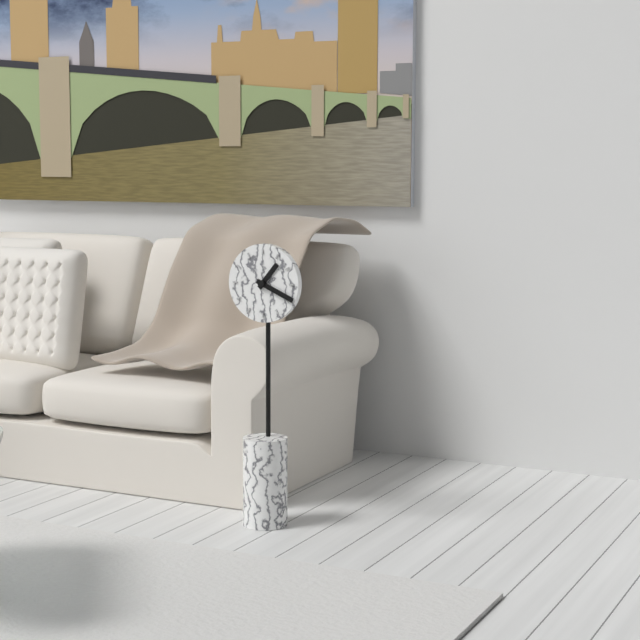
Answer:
**1:19**
